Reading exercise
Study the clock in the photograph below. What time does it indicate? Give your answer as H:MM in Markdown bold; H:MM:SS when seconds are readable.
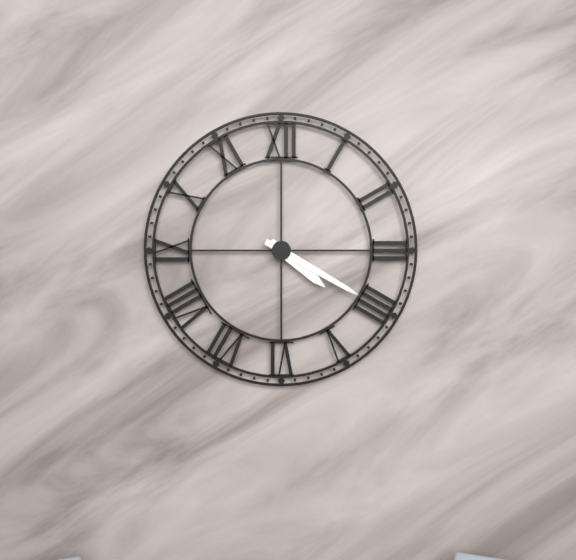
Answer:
**4:20**
